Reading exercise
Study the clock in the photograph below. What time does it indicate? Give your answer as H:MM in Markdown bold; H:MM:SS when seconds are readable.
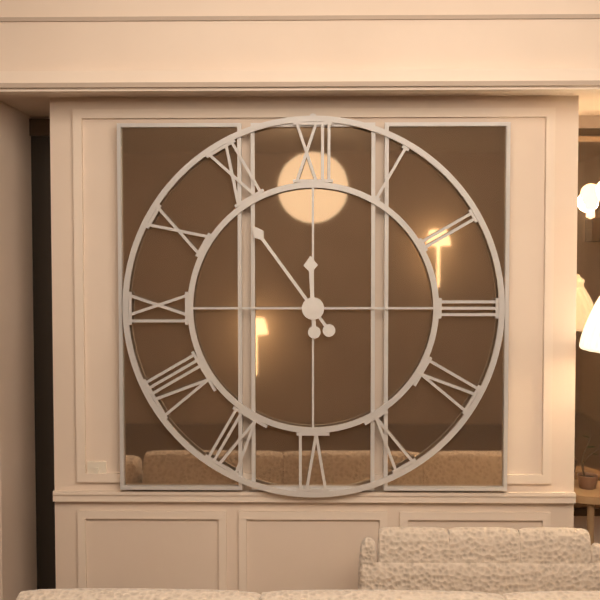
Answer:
**11:54**
